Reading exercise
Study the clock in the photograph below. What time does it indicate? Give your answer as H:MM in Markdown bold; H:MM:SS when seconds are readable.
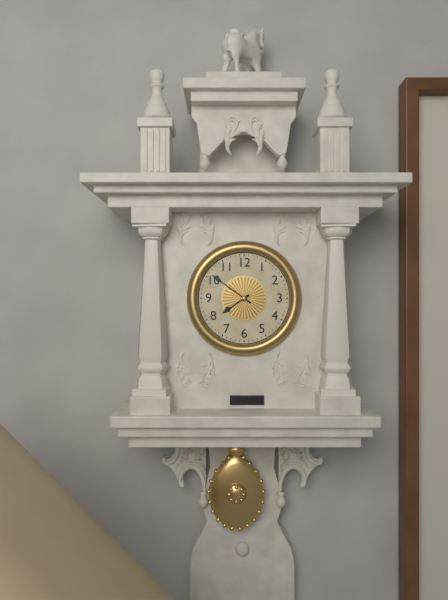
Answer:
**7:51**
